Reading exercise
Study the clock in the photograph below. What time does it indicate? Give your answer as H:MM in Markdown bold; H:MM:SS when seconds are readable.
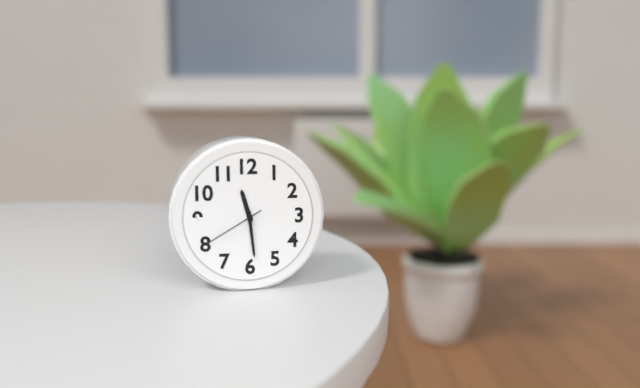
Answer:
**11:29:40**
